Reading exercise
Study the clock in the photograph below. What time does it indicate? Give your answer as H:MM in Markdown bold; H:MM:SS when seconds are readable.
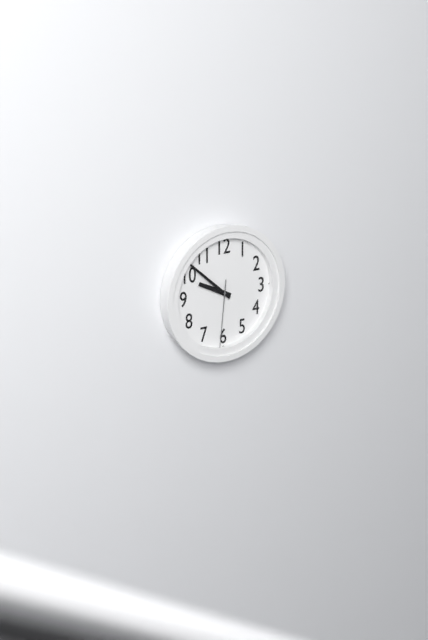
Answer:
**9:52:31**
